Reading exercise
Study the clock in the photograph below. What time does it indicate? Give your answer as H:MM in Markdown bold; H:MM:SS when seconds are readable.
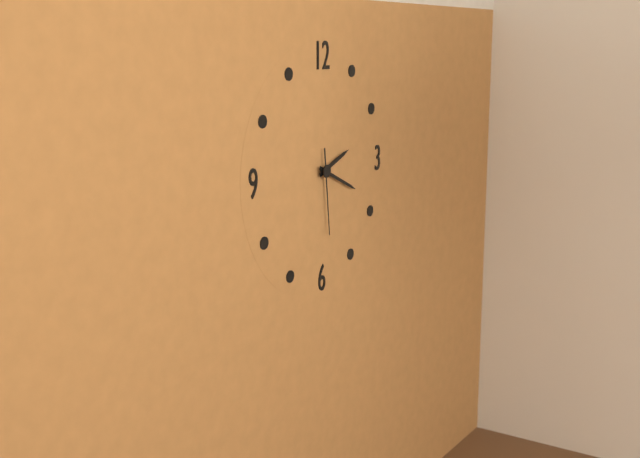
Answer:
**2:19:29**
